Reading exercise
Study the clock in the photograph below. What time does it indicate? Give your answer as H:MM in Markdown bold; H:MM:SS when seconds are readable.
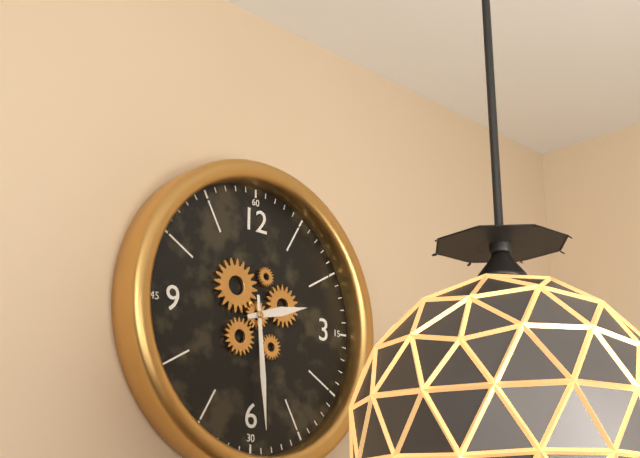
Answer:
**2:29**
